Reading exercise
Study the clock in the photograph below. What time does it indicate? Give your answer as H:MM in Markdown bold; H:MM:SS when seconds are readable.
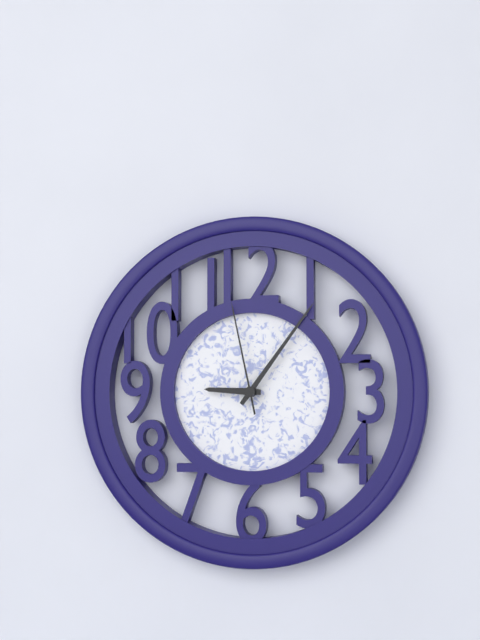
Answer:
**9:06:58**
